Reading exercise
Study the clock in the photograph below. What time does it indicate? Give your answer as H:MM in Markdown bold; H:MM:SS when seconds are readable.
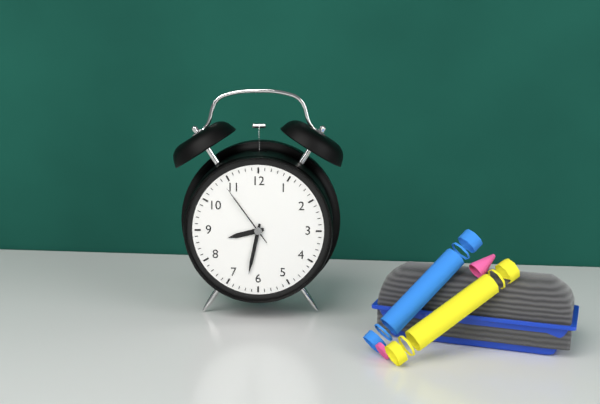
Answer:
**8:32:54**
